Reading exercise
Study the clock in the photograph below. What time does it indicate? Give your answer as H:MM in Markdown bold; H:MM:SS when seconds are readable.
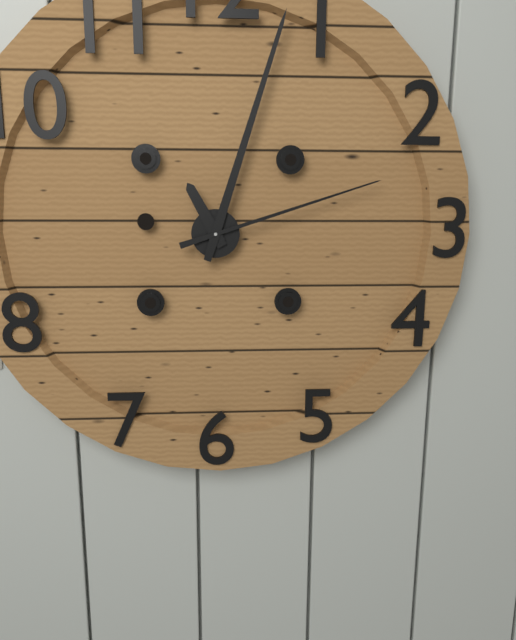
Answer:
**11:03:12**
